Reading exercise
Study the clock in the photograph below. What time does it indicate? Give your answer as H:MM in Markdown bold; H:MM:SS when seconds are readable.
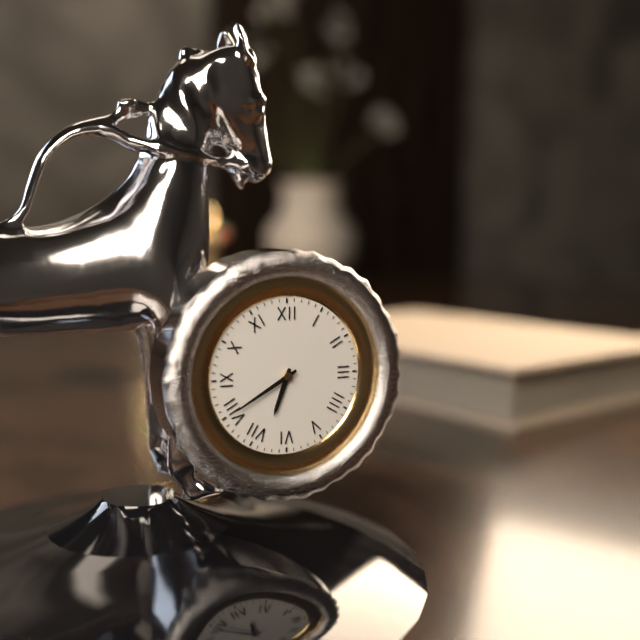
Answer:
**6:40**
